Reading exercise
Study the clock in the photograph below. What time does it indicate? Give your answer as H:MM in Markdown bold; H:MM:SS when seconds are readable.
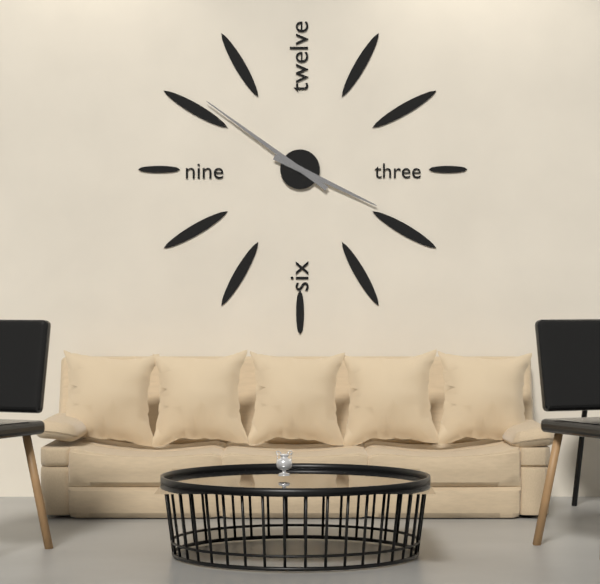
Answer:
**3:51**
